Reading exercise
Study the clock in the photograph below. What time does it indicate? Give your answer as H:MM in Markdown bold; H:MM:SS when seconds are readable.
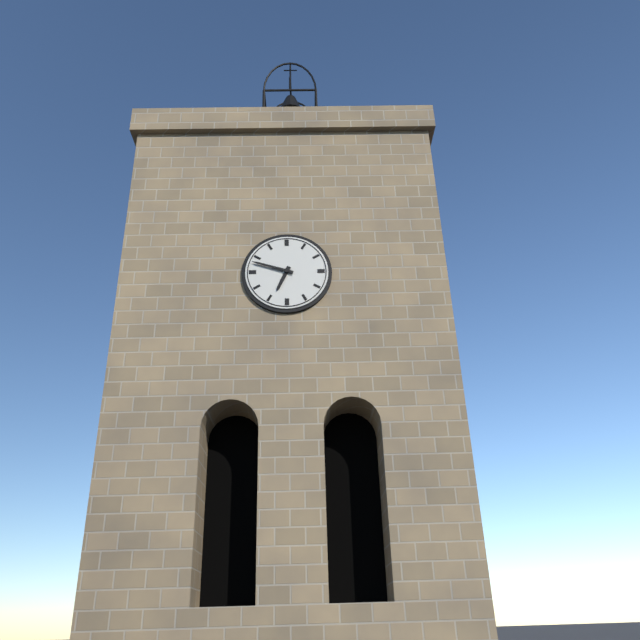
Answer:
**6:48**
